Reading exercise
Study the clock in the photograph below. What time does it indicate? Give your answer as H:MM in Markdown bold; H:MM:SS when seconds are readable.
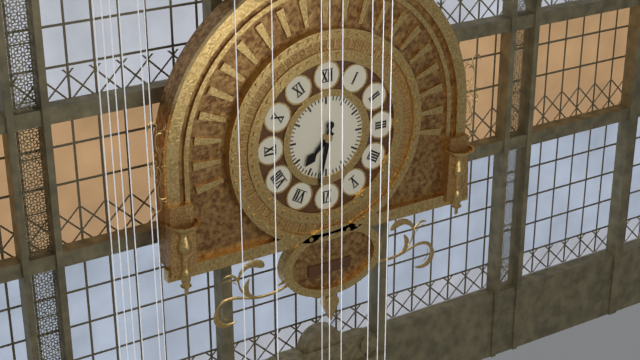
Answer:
**7:32**
